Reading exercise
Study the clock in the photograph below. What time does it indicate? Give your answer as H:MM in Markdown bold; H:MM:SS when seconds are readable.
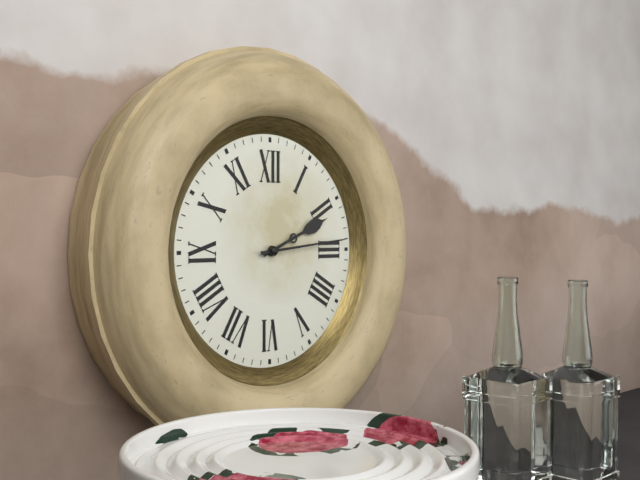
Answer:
**2:14**
